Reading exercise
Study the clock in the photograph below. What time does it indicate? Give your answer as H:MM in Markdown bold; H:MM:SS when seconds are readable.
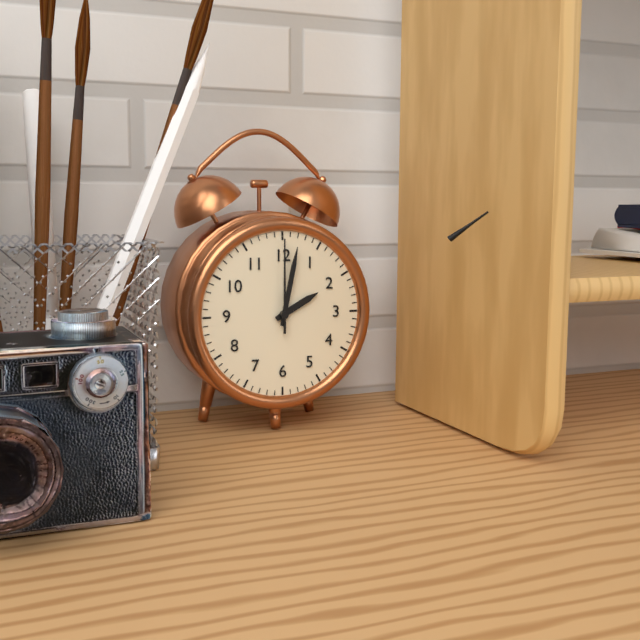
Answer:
**2:02:00**
